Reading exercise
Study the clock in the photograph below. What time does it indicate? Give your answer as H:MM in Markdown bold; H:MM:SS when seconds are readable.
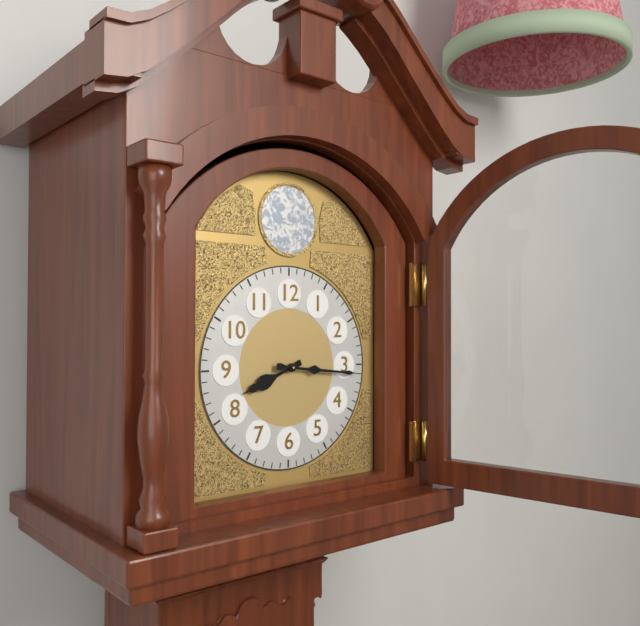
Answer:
**8:16**
